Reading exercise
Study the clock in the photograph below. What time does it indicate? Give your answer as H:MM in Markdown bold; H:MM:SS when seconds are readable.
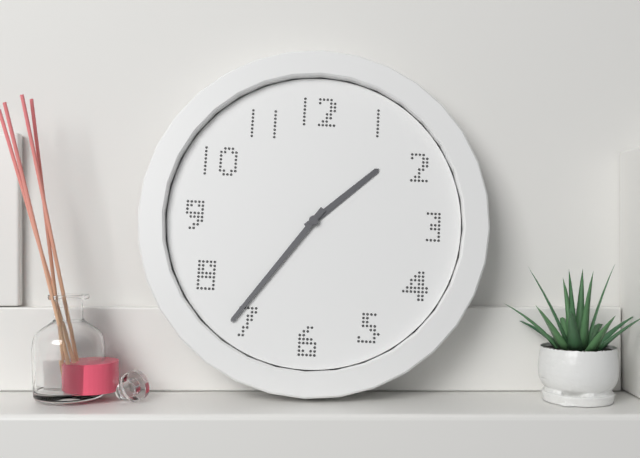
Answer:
**1:36**
